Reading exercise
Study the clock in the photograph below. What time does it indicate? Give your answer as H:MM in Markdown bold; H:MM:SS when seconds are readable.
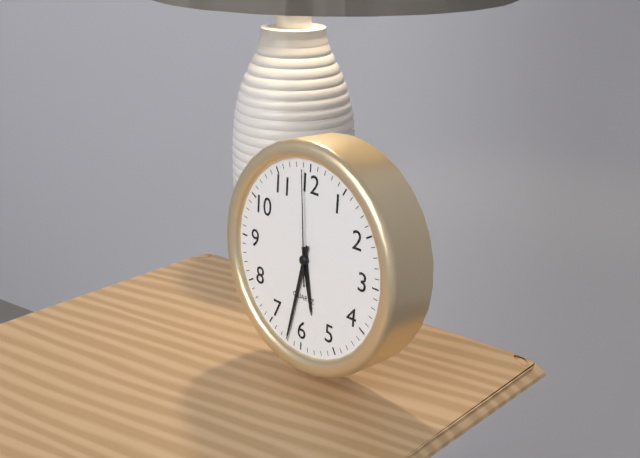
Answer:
**5:32:59**
